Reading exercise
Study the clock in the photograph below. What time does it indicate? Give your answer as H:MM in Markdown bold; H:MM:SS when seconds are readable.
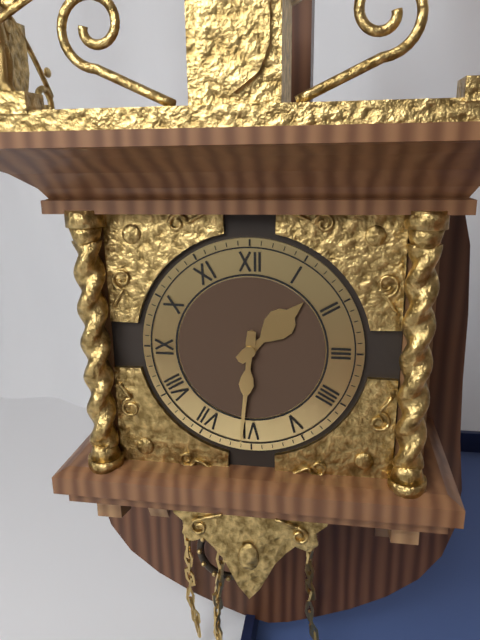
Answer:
**1:31**
